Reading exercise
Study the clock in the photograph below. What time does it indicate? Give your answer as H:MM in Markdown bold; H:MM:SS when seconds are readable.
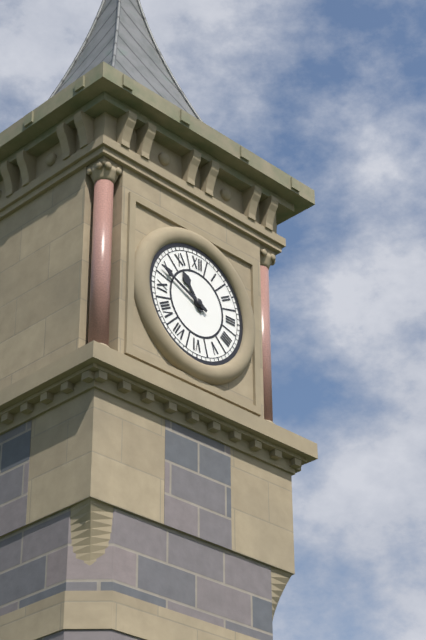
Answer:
**10:49**
